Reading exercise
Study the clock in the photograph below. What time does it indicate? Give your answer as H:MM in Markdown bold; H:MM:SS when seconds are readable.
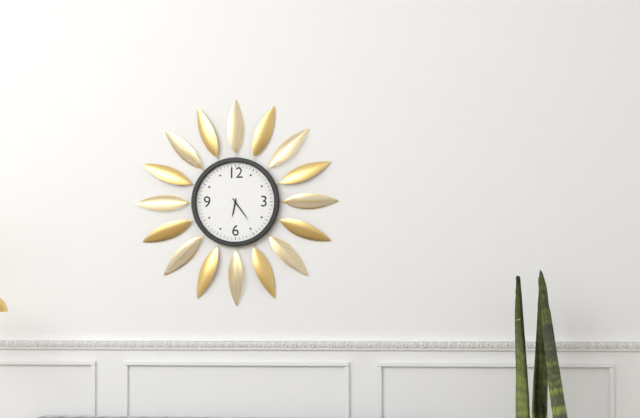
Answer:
**6:24**
